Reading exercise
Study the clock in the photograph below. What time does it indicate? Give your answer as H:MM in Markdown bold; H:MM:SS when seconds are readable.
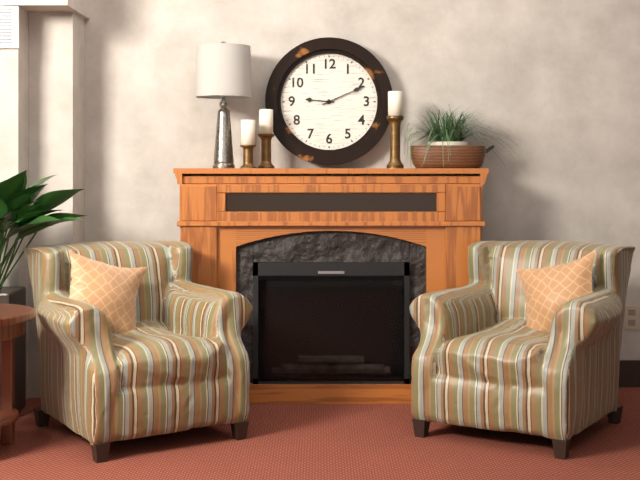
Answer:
**9:11**
